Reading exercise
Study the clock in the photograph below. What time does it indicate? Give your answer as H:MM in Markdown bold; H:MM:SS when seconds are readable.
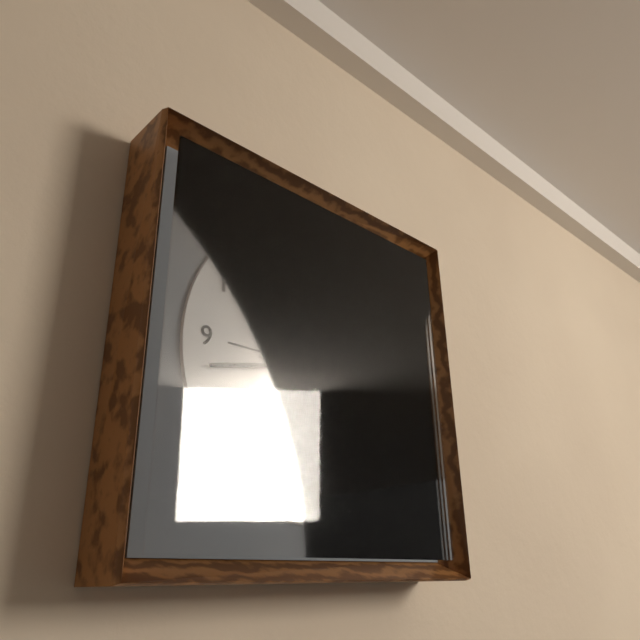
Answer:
**11:43:36**
